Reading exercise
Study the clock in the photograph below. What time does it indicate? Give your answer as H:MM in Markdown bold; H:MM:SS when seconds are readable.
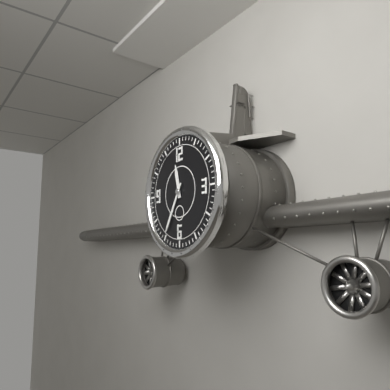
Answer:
**11:35**
